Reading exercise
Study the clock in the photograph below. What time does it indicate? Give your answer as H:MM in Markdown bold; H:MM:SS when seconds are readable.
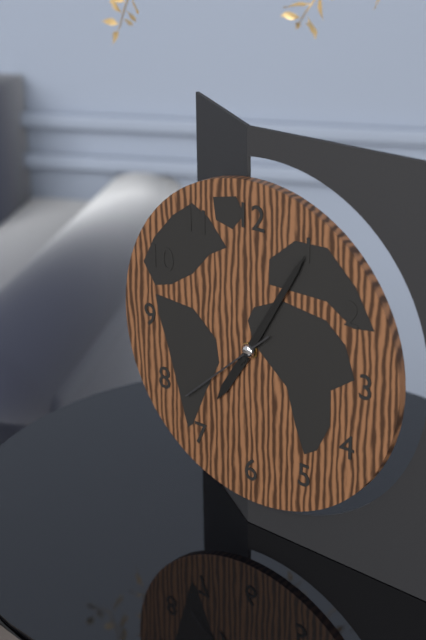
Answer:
**7:05:38**
